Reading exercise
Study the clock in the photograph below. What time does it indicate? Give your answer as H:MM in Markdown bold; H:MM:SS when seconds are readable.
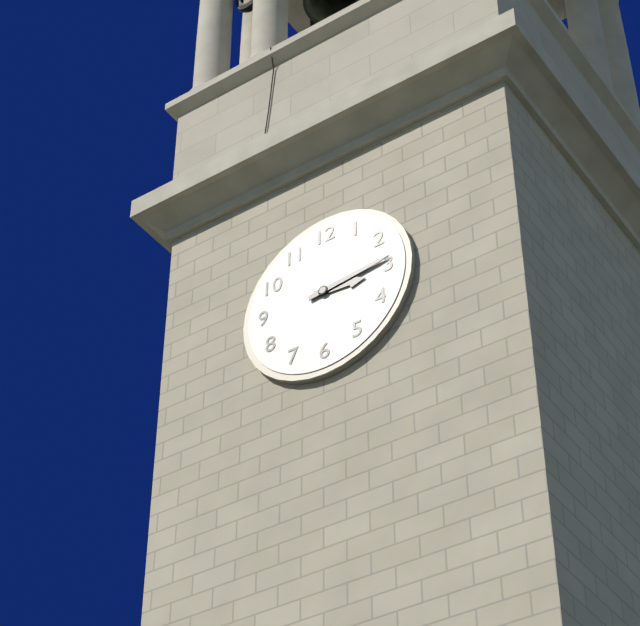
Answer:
**3:14**
